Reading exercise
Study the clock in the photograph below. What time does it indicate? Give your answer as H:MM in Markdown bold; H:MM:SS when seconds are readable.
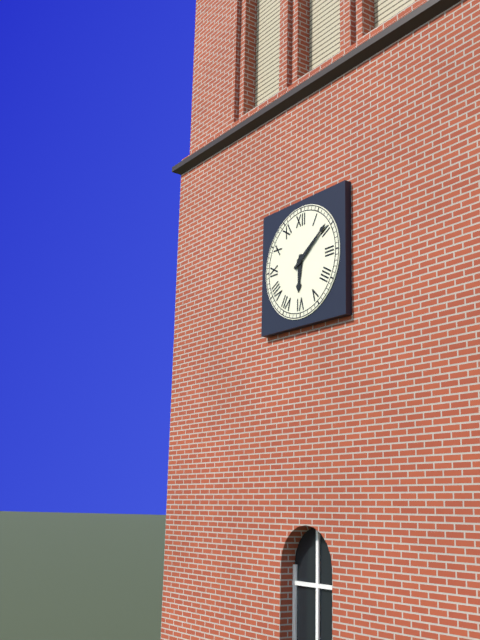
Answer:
**6:09**
